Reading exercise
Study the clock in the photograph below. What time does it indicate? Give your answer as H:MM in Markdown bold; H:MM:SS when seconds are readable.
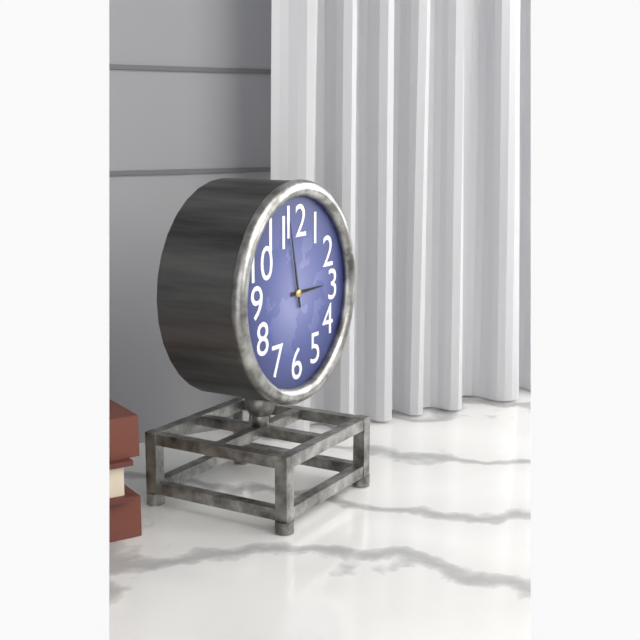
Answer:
**2:58**
